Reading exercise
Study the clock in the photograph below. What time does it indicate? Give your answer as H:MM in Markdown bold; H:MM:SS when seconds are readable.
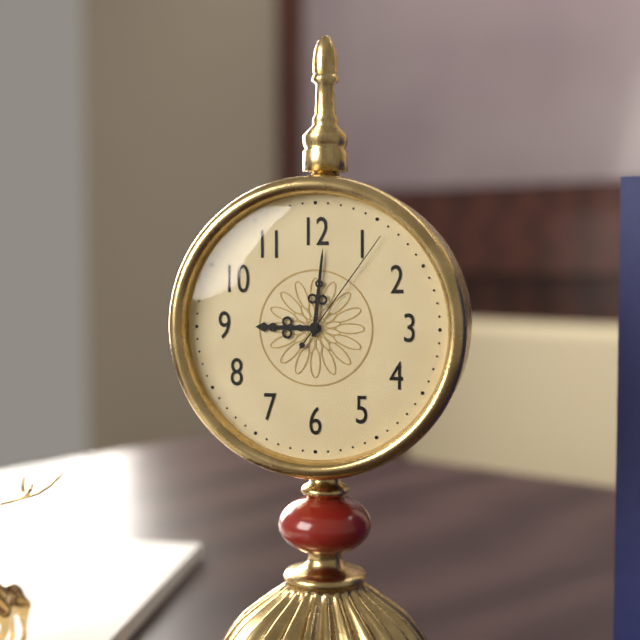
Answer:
**9:01:06**
